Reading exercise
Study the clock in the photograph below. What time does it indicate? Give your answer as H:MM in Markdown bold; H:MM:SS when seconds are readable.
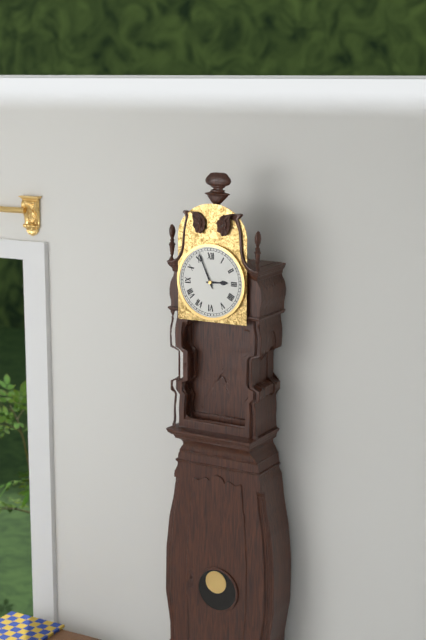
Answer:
**2:56**
